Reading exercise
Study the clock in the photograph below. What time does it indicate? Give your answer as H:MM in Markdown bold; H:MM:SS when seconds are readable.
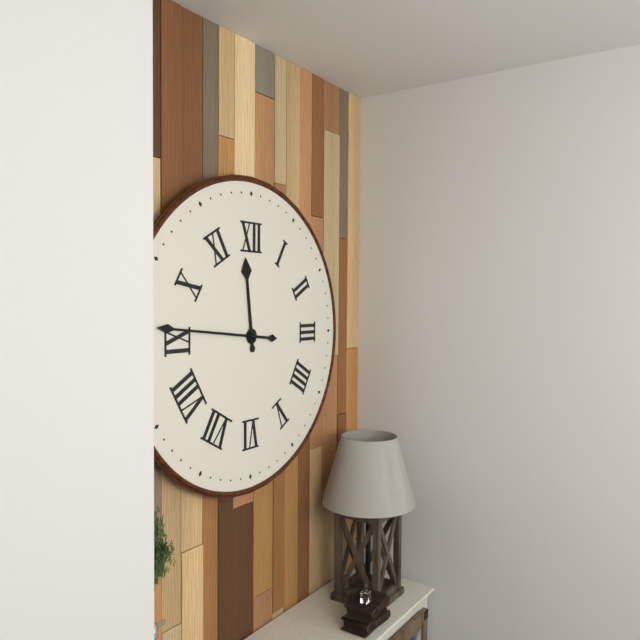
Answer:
**11:46**
